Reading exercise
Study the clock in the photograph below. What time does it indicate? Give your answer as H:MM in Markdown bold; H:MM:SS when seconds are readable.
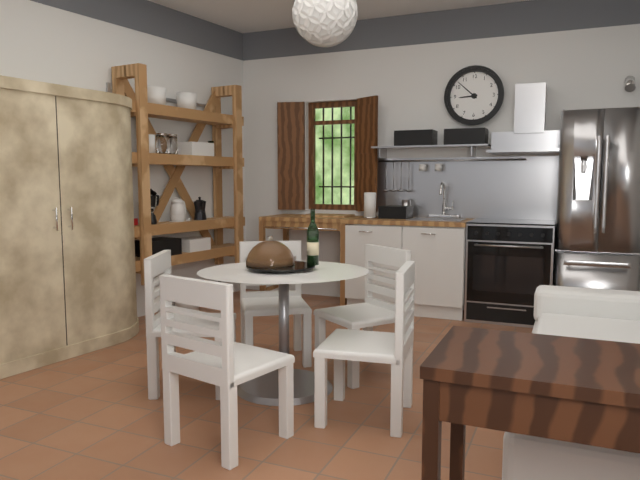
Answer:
**8:52**
